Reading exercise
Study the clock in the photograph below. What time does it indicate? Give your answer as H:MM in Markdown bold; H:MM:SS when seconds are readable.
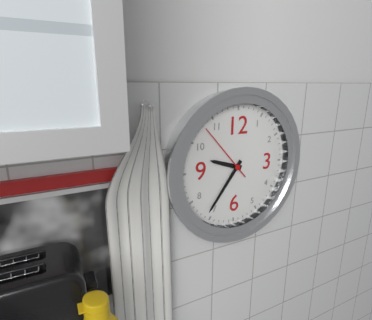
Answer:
**9:36:53**
